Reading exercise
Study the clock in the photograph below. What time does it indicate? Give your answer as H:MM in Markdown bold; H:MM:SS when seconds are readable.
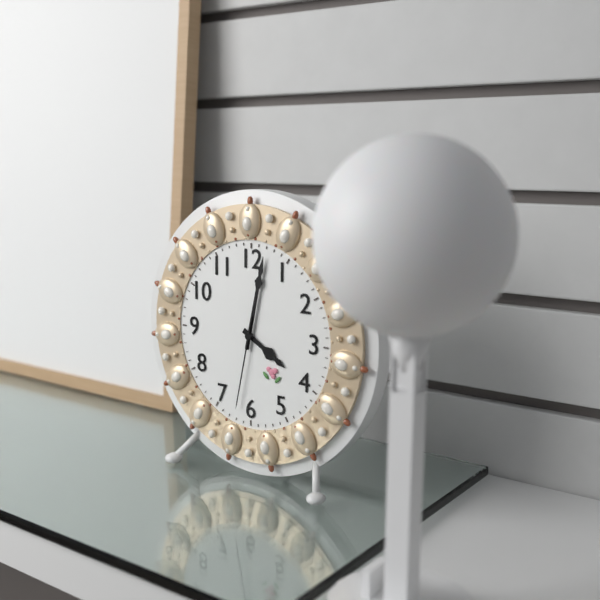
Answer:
**4:02:32**
